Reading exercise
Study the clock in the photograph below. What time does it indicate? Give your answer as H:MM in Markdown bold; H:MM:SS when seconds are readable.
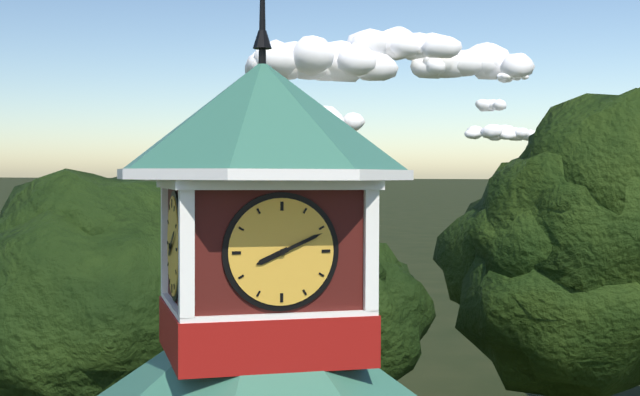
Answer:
**8:11**
